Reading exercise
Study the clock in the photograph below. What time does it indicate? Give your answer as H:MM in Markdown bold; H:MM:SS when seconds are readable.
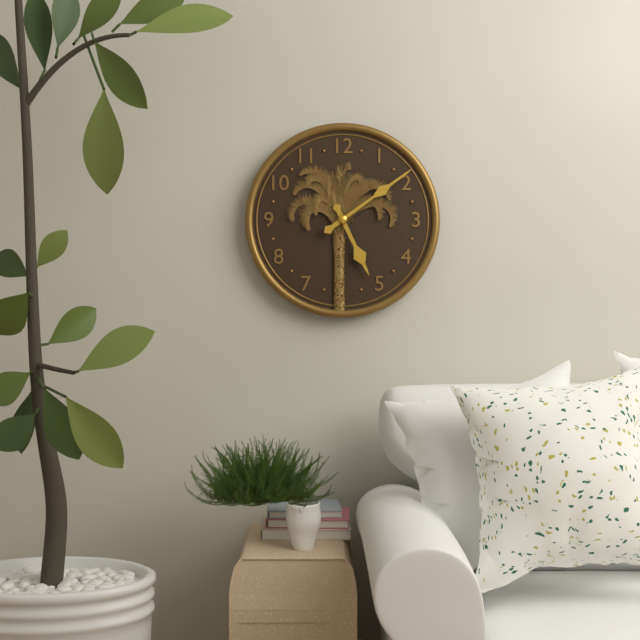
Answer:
**5:09**
